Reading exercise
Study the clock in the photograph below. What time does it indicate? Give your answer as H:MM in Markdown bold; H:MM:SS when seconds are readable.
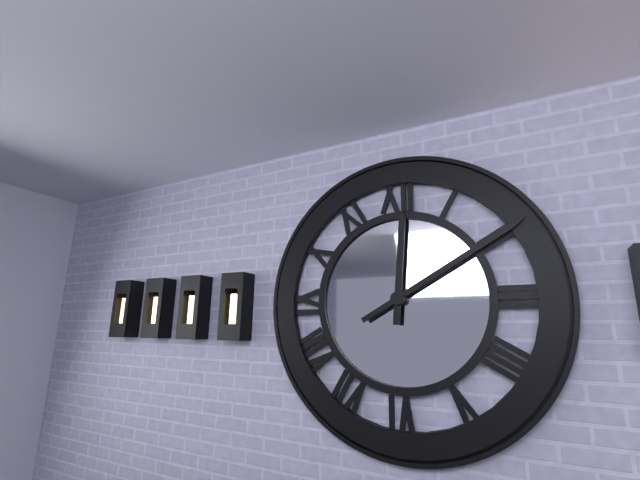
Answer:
**12:10**
